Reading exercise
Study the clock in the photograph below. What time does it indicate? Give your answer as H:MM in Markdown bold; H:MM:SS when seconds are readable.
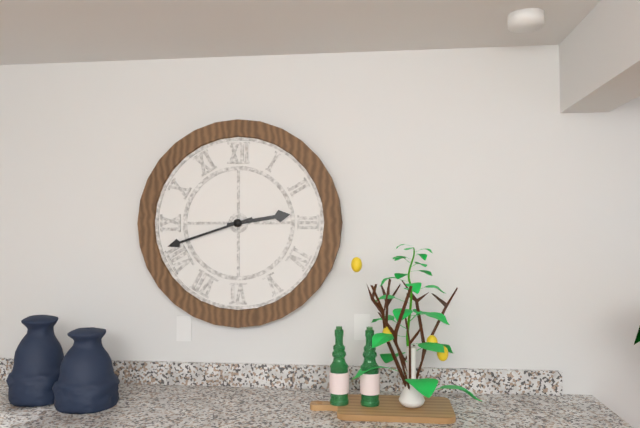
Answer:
**2:42**
